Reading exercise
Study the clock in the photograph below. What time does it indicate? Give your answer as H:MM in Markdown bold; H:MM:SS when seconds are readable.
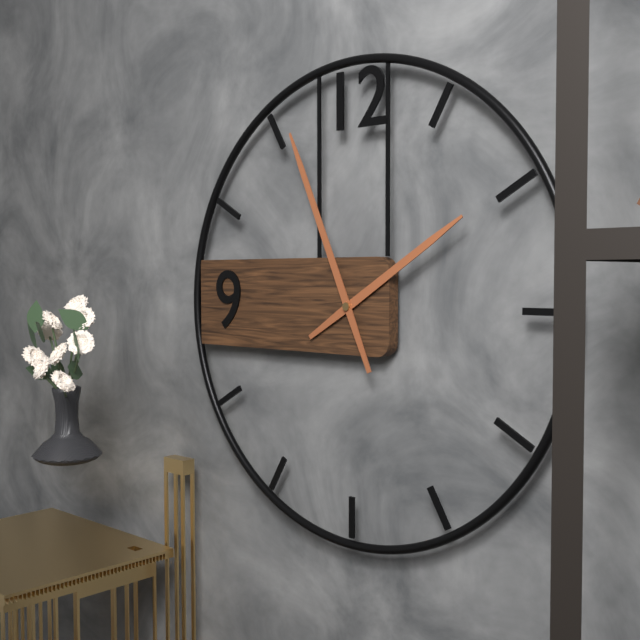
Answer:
**1:56**
